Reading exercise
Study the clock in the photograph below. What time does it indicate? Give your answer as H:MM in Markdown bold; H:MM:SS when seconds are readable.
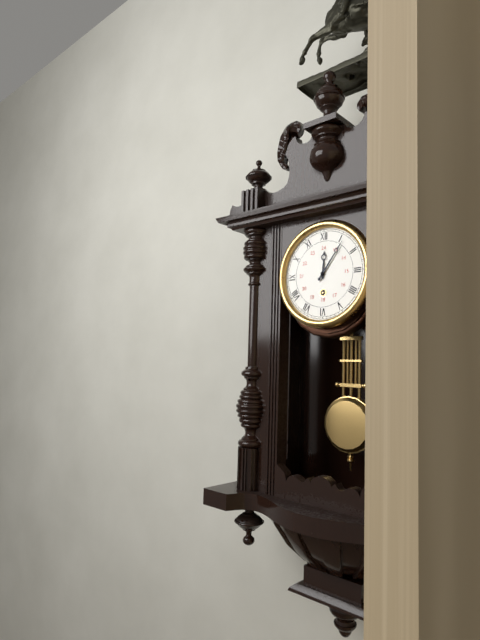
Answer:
**12:06**
